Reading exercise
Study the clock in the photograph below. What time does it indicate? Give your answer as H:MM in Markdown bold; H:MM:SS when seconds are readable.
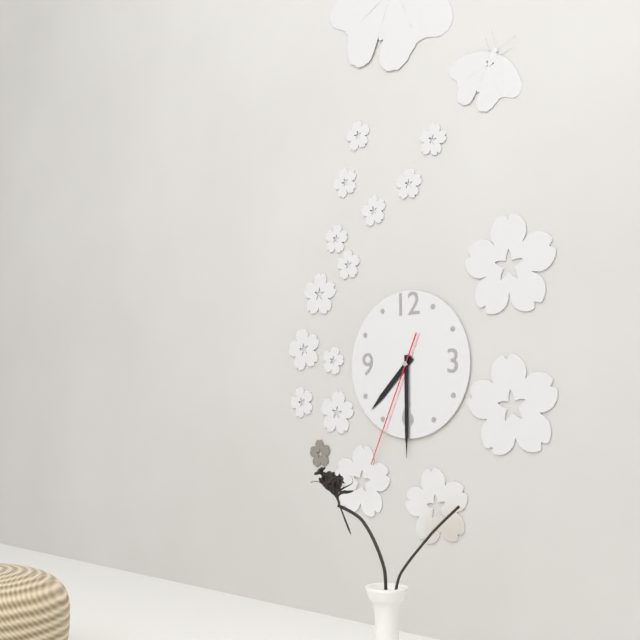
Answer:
**7:30:34**
